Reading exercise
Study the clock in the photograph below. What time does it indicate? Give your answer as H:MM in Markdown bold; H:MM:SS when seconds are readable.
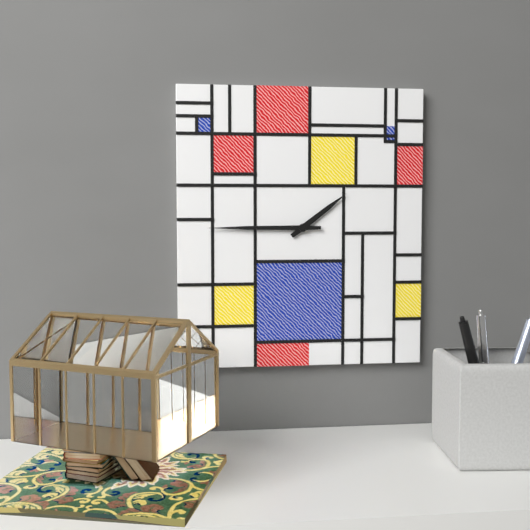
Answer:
**1:45**
